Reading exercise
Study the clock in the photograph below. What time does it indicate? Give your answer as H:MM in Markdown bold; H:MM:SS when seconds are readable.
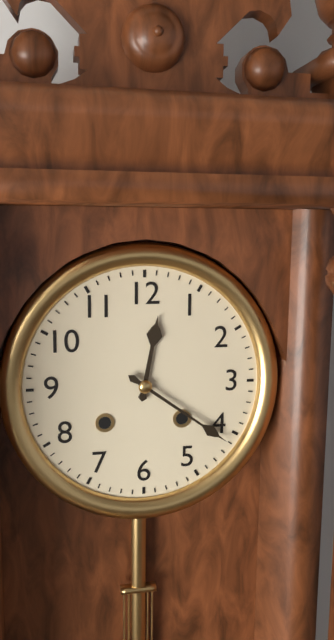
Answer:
**12:21**
